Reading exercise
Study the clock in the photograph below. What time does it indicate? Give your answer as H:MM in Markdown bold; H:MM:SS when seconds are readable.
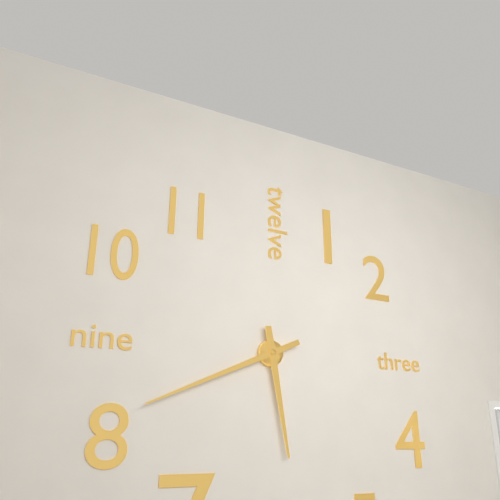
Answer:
**5:41**
